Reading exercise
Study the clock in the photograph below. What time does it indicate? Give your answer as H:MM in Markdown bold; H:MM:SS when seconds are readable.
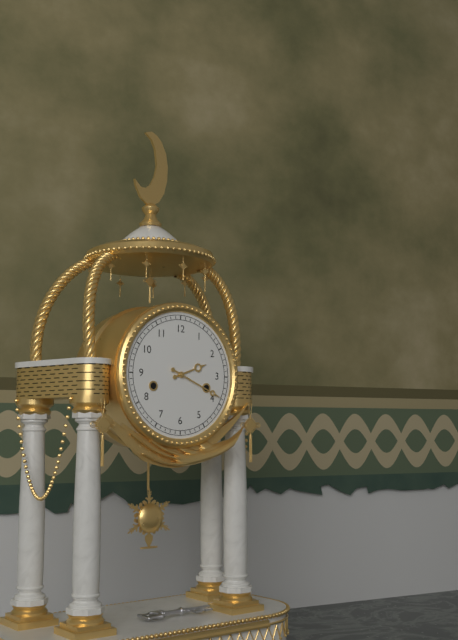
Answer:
**2:19**
